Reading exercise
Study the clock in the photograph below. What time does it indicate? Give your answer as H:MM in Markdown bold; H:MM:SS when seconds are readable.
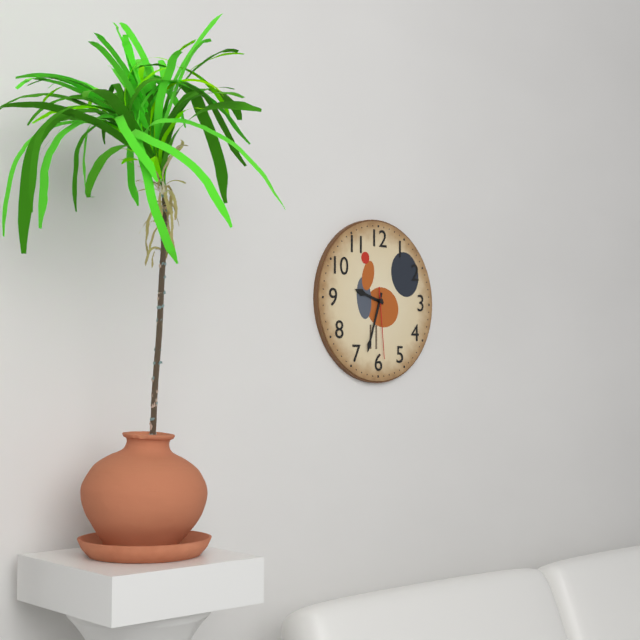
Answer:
**9:33:29**
